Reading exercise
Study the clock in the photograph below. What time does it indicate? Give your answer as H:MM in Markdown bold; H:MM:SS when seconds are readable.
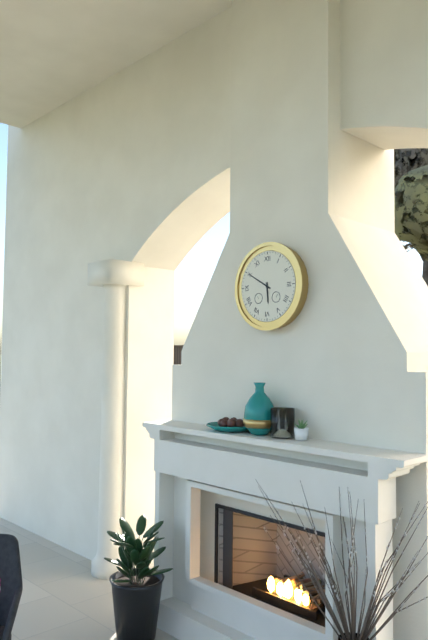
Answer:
**5:50**
